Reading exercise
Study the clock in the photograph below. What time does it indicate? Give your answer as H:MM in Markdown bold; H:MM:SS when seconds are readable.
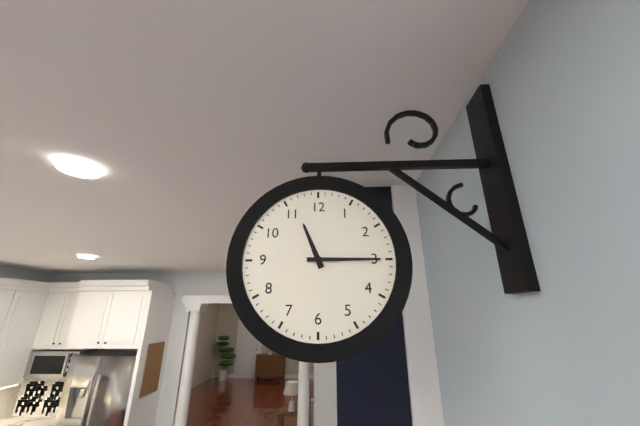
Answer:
**11:15**
